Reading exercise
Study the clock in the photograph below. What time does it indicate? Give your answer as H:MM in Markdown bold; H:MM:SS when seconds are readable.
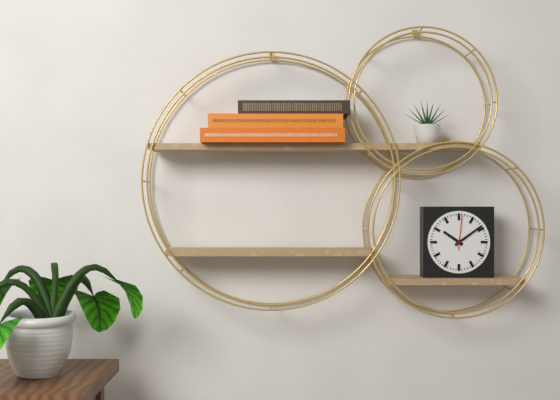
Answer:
**10:09**
